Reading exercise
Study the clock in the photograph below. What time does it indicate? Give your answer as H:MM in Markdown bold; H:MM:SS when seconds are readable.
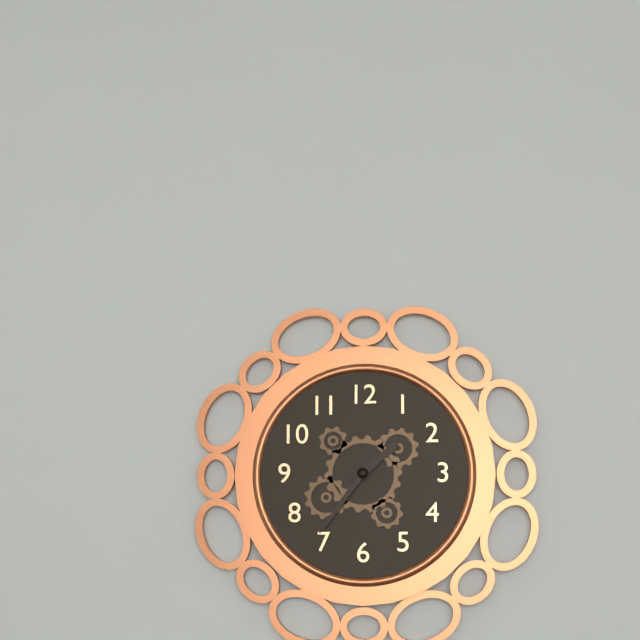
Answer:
**1:36**
